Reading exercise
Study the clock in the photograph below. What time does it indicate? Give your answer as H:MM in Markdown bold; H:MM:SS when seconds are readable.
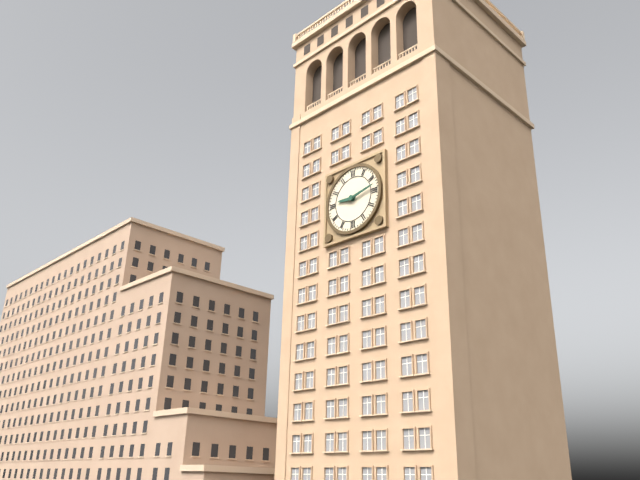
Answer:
**9:13**
